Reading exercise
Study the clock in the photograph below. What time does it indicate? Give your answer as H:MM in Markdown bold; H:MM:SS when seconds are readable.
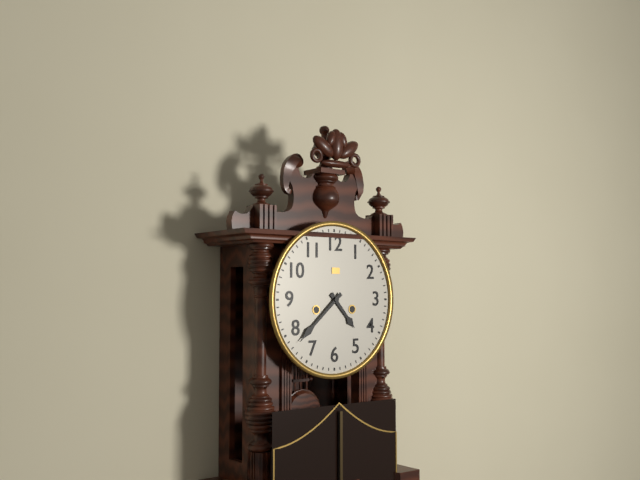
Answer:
**4:38**
